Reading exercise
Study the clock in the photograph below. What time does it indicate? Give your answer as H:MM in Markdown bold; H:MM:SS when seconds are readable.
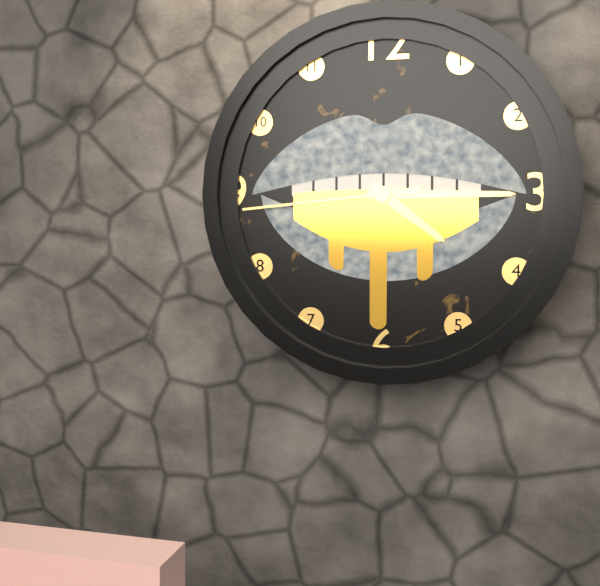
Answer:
**4:15:44**
